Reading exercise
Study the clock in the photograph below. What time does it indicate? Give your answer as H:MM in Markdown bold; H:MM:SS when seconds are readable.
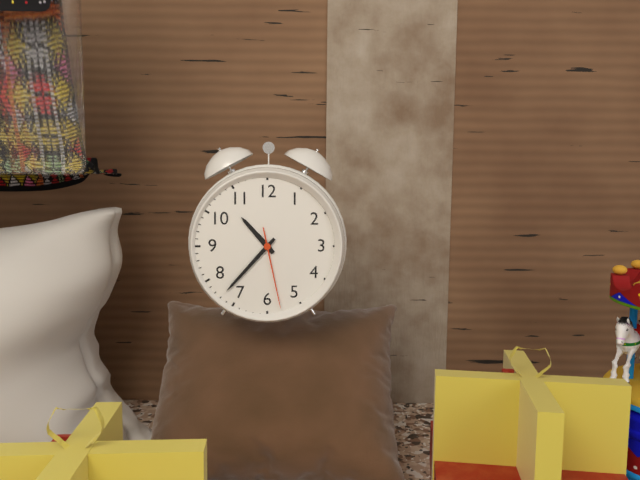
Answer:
**10:37:28**
